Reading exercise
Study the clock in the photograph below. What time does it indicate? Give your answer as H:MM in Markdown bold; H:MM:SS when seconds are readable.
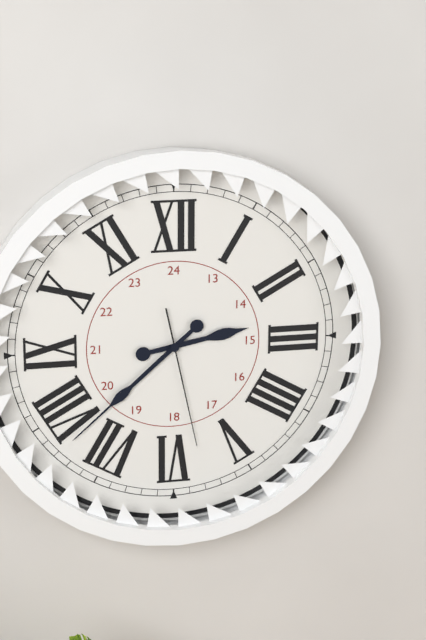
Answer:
**2:38:28**
